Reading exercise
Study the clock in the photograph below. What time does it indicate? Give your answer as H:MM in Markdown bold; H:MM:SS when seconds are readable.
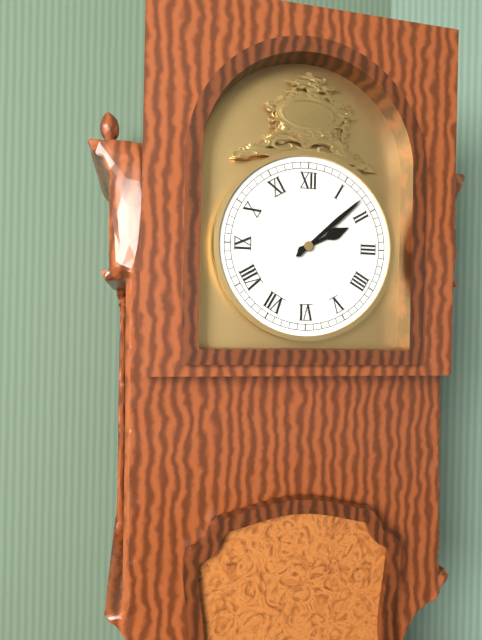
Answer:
**2:08**
